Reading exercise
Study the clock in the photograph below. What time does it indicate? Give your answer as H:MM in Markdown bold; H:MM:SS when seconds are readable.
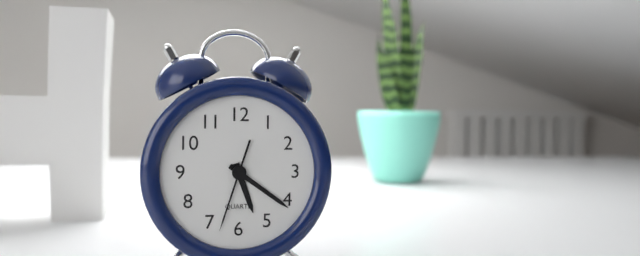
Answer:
**5:21:33**
